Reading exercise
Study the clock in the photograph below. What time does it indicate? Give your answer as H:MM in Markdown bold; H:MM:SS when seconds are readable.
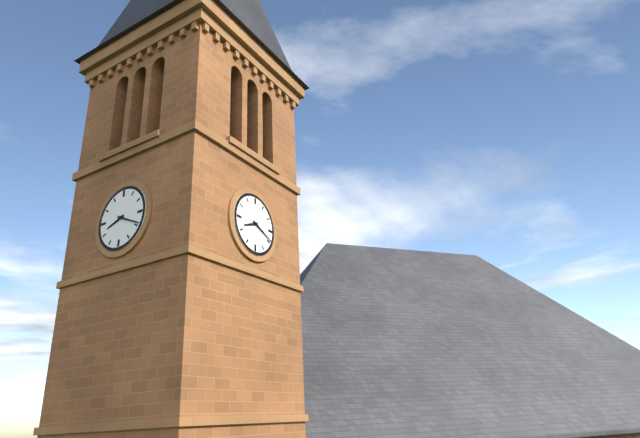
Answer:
**8:19**
